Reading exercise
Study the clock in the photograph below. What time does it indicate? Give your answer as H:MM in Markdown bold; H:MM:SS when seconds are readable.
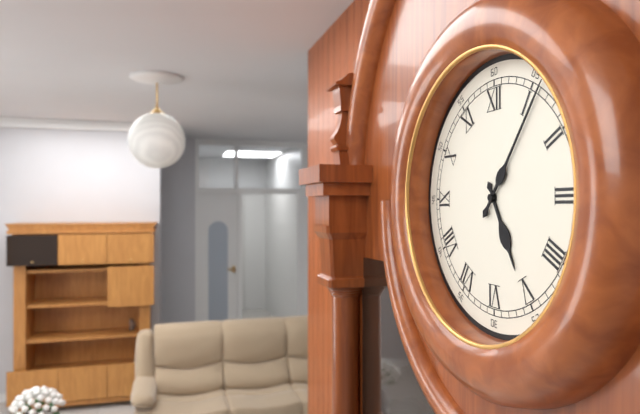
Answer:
**5:06**
